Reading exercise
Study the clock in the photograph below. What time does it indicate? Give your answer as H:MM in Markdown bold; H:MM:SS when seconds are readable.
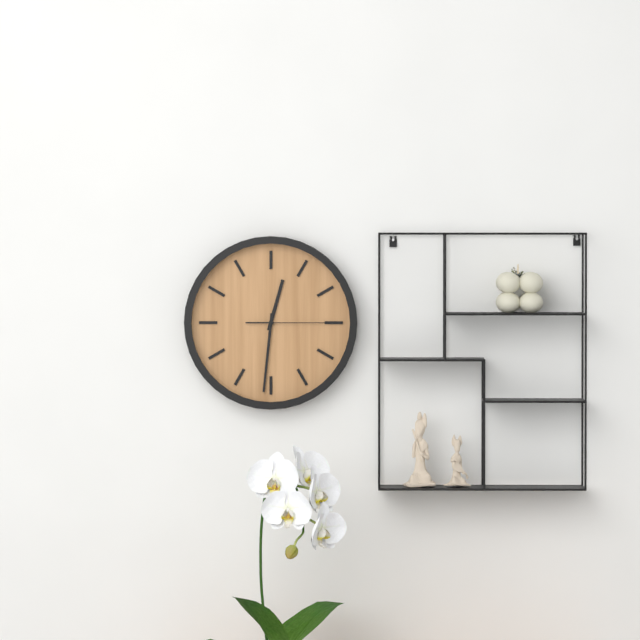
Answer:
**12:31:15**
